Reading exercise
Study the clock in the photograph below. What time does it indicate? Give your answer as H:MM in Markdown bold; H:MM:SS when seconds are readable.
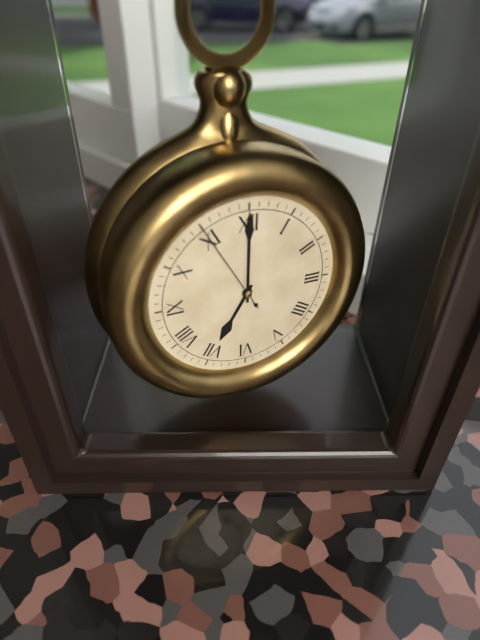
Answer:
**7:00:55**
